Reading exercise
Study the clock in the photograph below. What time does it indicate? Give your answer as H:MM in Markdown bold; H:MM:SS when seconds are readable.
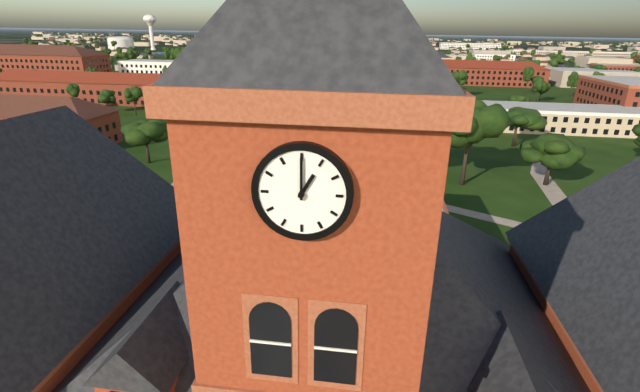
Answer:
**1:00**
